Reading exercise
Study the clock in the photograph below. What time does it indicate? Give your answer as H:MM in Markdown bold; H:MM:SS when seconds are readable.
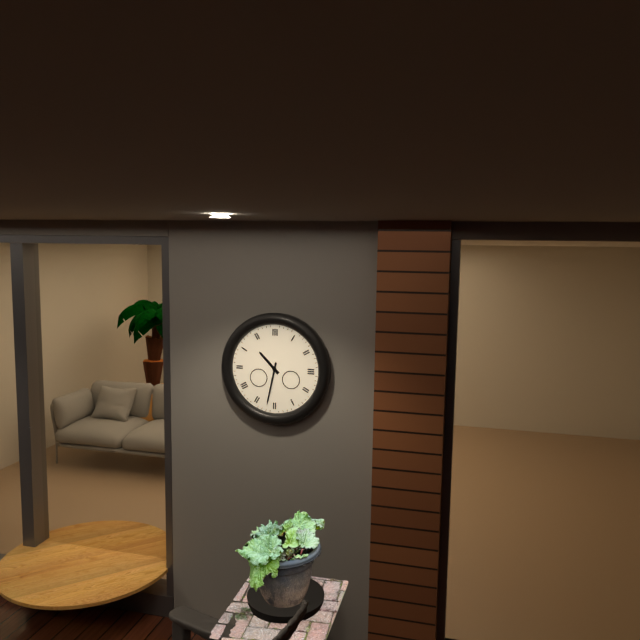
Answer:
**10:32**
